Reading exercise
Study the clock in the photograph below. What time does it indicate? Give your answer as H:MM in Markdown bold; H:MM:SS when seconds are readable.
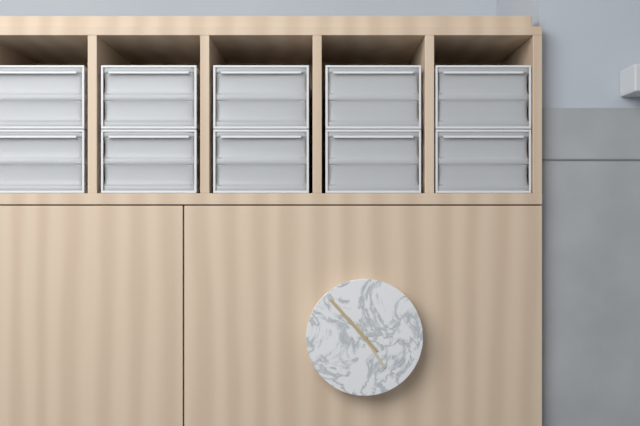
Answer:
**4:53**
